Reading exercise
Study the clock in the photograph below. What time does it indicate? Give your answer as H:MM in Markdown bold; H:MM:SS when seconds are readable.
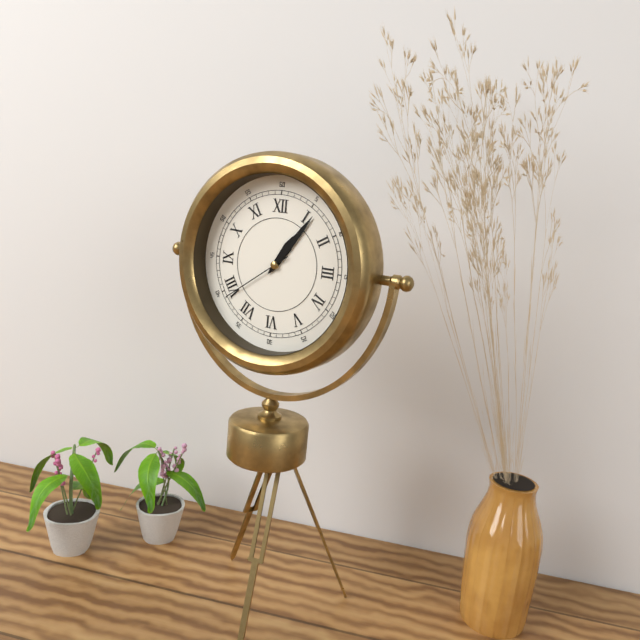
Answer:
**1:06:39**
